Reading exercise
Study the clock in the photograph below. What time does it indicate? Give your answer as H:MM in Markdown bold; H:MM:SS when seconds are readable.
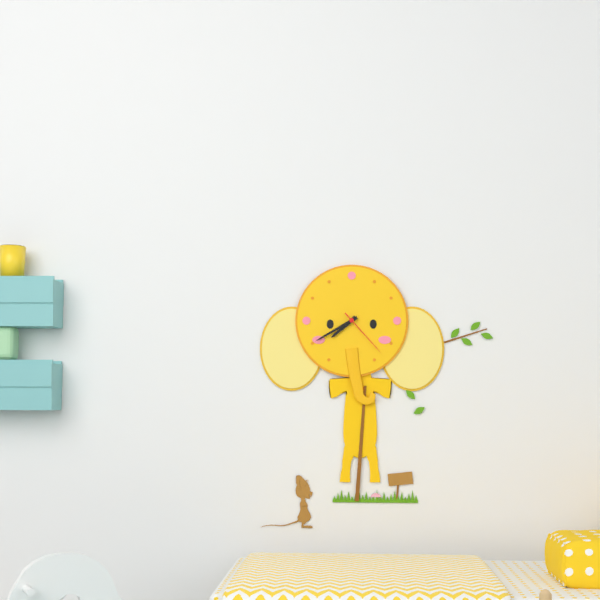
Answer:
**7:40:23**
